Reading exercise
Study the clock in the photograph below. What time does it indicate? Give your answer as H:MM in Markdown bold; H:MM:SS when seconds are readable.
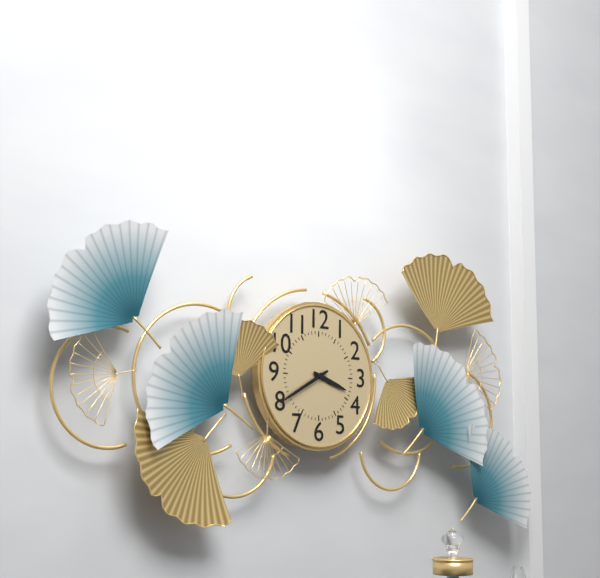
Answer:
**3:40**
